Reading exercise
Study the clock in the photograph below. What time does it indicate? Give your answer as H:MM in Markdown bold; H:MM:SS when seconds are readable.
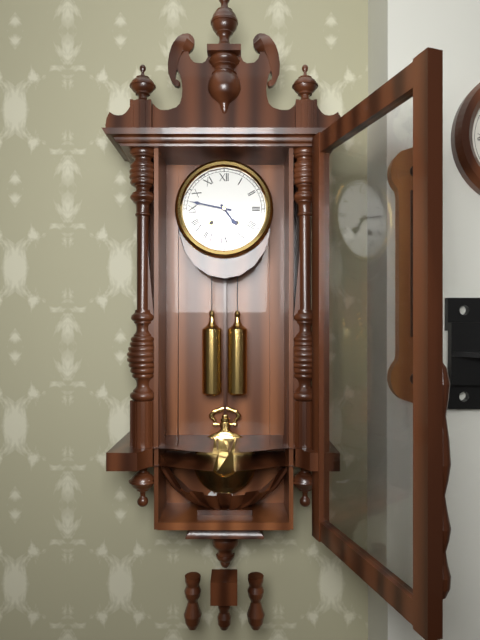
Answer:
**4:47**
